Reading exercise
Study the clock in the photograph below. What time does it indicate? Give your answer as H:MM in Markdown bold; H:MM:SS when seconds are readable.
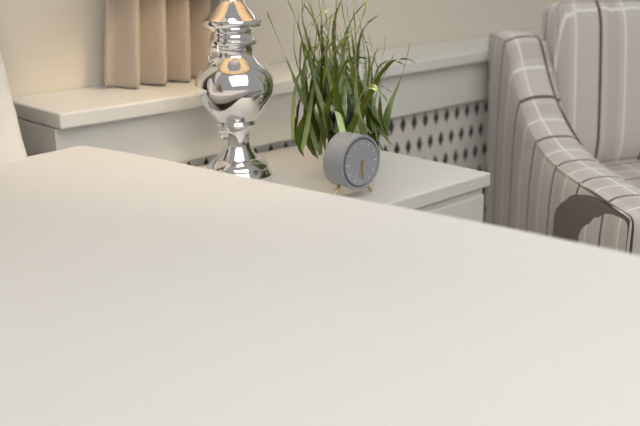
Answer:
**6:30**
